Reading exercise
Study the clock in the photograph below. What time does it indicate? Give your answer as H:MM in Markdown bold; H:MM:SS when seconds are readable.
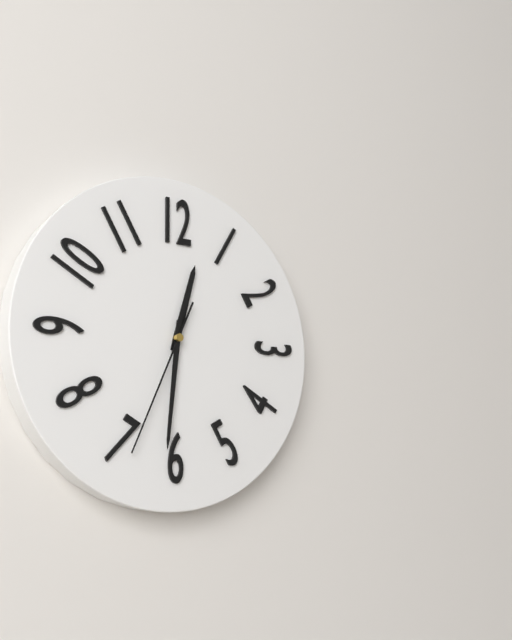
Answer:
**12:31:34**
